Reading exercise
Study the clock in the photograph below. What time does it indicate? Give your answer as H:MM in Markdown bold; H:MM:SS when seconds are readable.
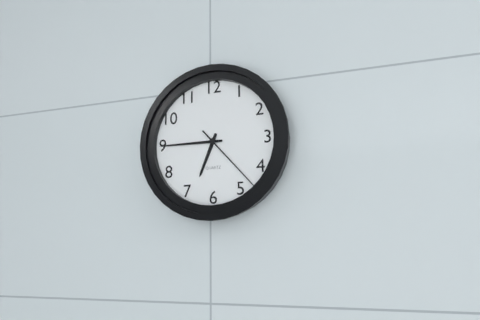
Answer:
**6:45:23**
